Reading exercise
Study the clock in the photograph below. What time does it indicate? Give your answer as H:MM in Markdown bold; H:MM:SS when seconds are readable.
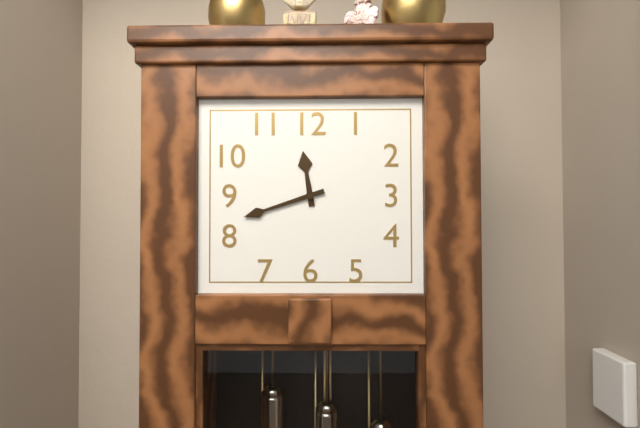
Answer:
**11:42**
